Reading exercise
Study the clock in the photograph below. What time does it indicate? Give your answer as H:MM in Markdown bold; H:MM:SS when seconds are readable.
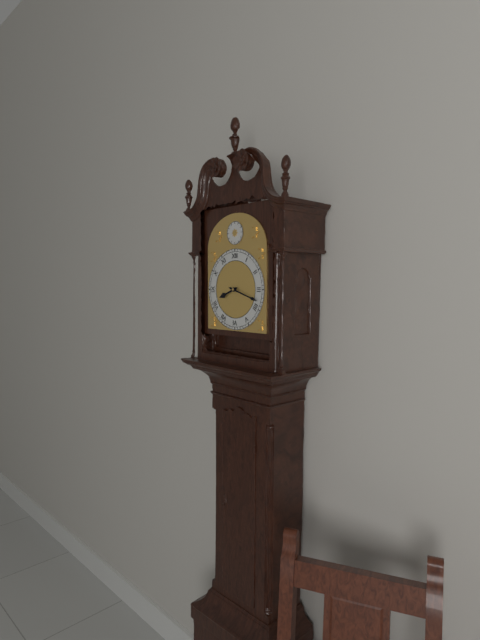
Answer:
**8:18**
